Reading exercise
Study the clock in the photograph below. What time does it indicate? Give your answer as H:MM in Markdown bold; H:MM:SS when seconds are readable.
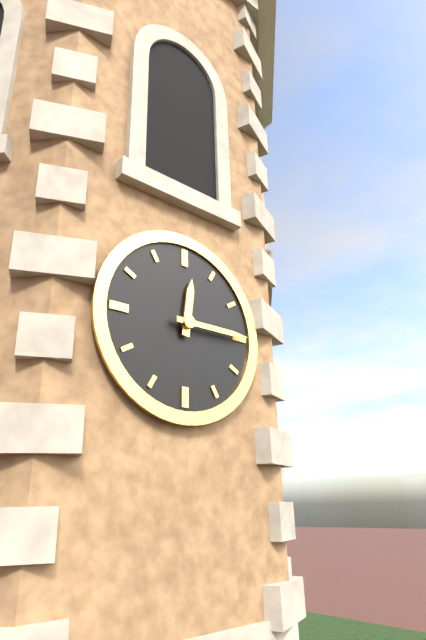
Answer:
**12:15**
